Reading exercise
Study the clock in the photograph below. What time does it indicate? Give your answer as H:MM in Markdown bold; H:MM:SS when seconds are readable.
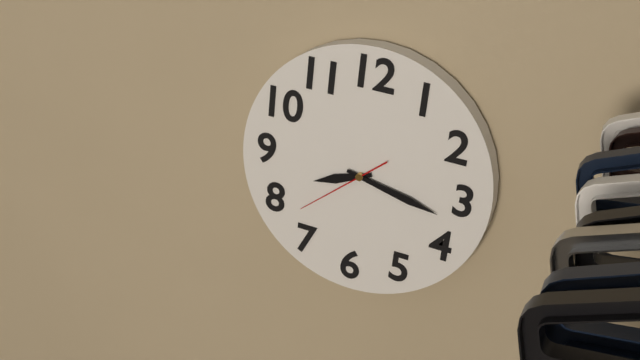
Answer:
**8:17:38**
